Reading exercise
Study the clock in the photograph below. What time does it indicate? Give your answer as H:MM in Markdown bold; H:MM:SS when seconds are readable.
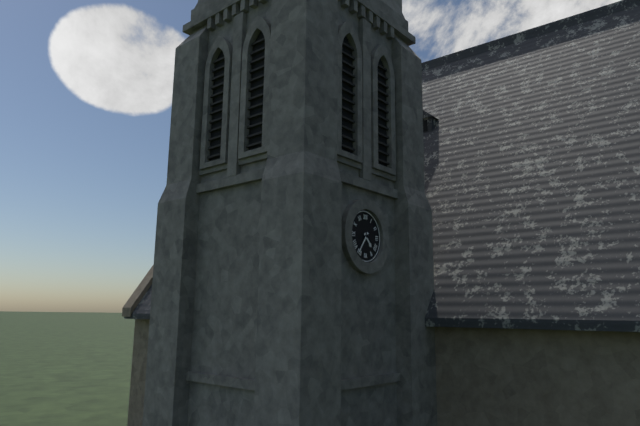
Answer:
**4:36**
